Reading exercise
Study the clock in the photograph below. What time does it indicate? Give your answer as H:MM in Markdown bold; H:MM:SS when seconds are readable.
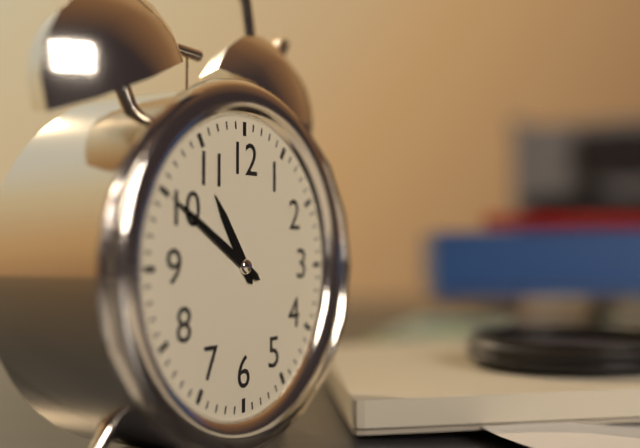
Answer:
**10:50**
